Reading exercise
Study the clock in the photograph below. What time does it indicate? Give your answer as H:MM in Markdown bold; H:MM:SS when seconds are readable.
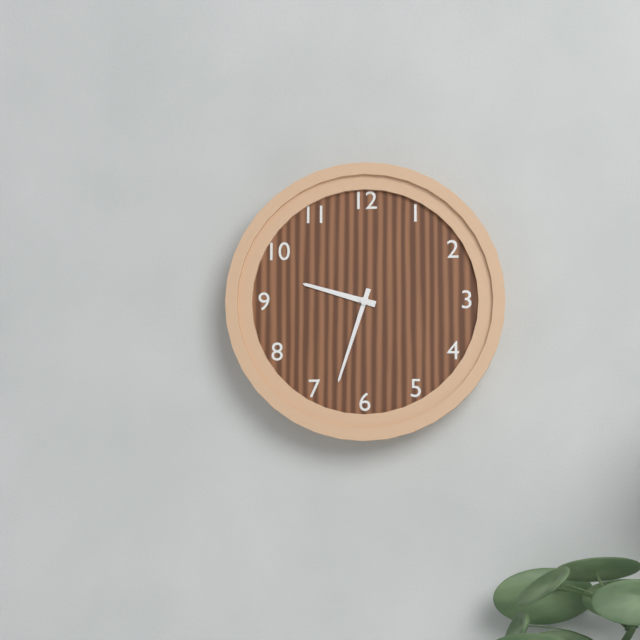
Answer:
**9:33**
